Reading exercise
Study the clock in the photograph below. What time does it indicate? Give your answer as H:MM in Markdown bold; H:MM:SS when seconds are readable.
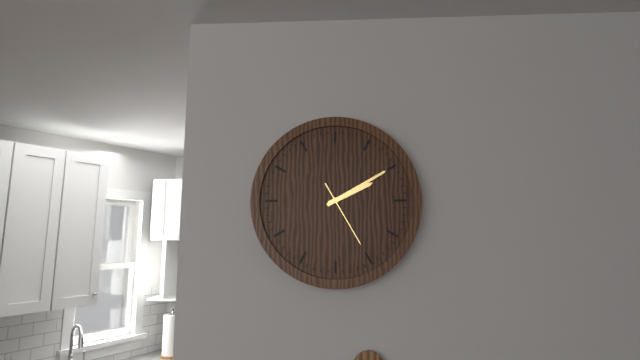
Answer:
**2:10:25**
